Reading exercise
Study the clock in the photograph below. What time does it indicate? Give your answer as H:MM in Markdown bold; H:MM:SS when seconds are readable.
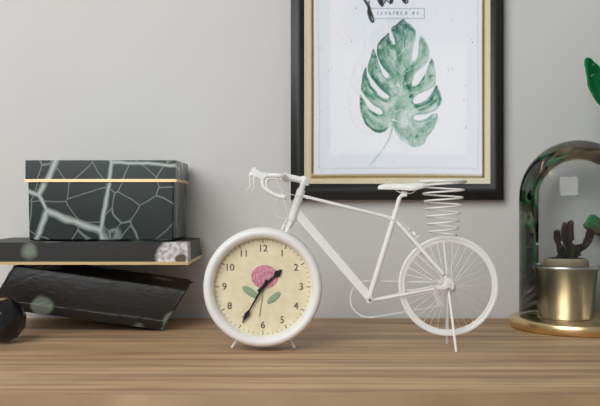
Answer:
**1:35**
